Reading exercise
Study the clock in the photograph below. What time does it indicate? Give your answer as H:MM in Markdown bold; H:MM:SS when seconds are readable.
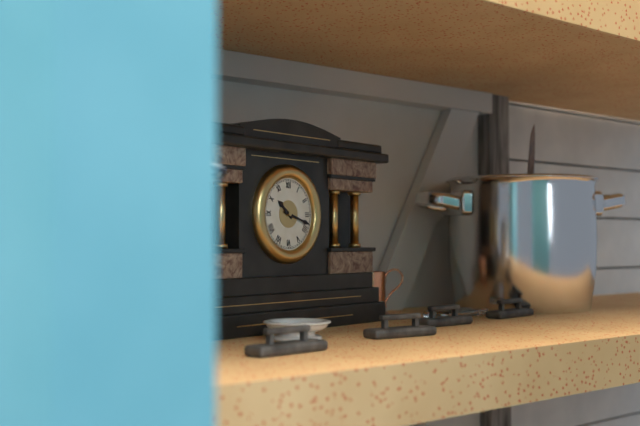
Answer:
**10:18**
